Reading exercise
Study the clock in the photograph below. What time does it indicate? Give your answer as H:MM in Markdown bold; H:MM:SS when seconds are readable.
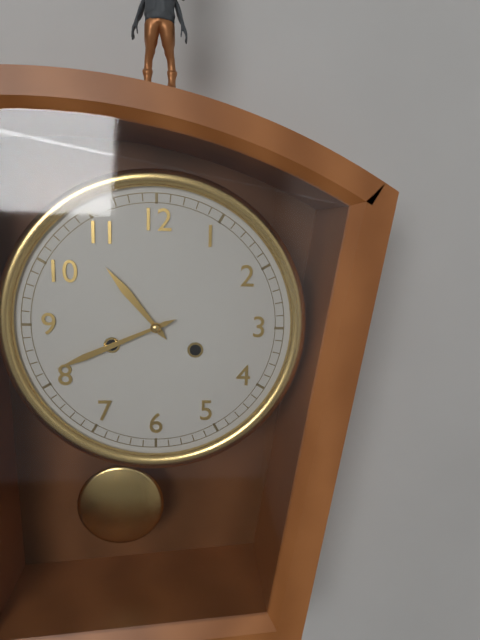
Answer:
**10:41**
